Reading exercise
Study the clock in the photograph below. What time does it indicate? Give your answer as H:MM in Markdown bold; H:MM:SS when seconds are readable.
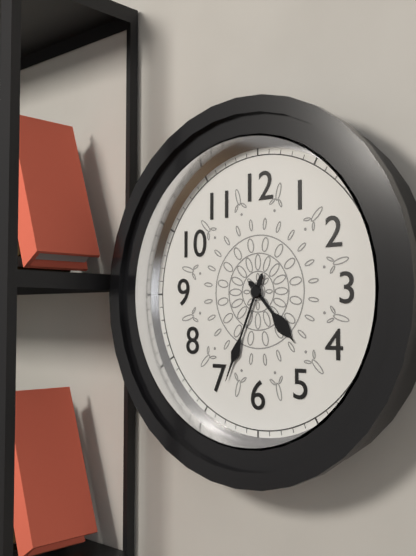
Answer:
**4:34**
